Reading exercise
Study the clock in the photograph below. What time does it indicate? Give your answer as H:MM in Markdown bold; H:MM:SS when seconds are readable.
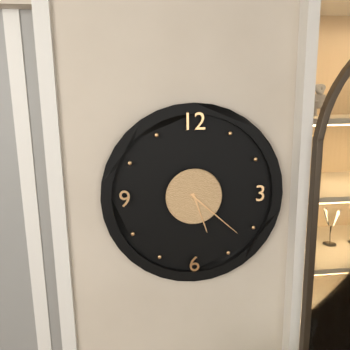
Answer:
**5:22**
